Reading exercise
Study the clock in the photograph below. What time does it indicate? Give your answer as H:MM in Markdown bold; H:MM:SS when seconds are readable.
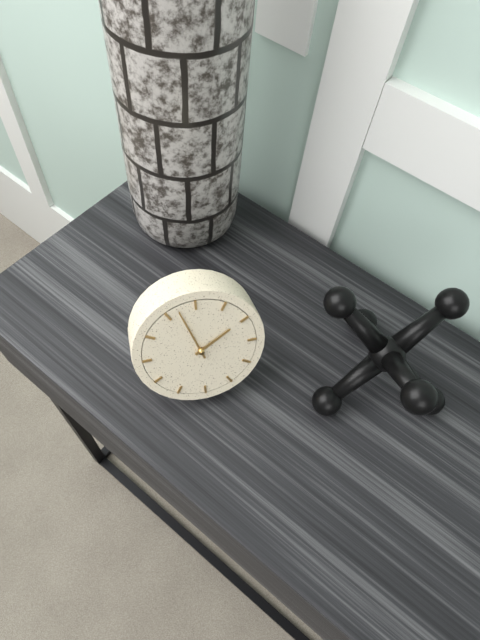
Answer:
**1:57**
